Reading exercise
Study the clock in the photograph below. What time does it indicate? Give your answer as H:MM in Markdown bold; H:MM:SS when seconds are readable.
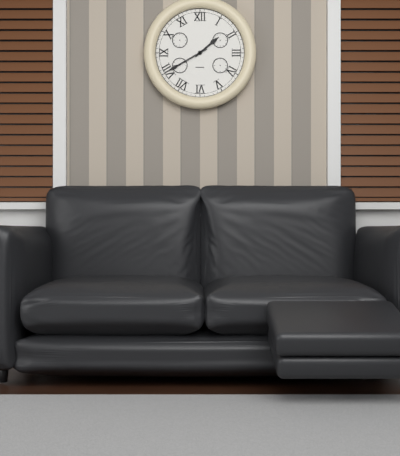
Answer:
**1:40**
